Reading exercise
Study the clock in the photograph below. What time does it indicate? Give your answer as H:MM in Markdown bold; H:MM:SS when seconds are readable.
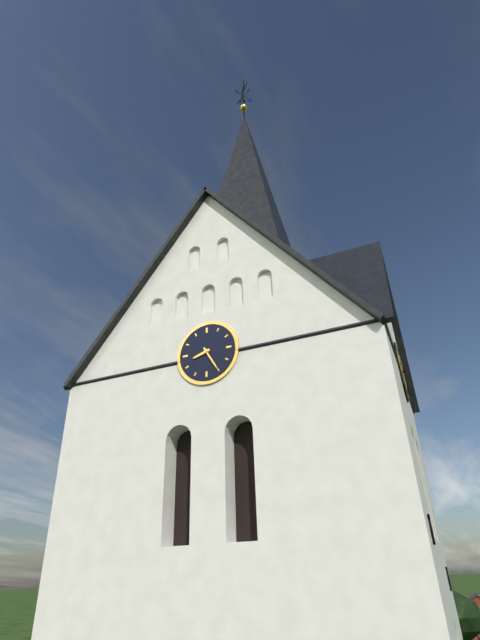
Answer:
**8:25**
